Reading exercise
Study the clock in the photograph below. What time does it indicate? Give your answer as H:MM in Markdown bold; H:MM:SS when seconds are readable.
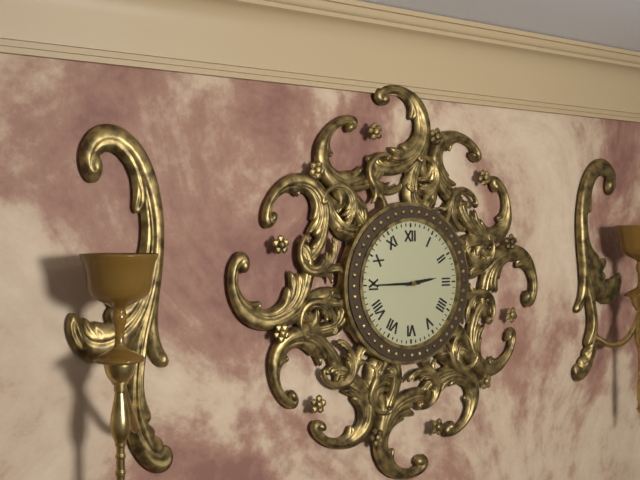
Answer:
**2:45**
